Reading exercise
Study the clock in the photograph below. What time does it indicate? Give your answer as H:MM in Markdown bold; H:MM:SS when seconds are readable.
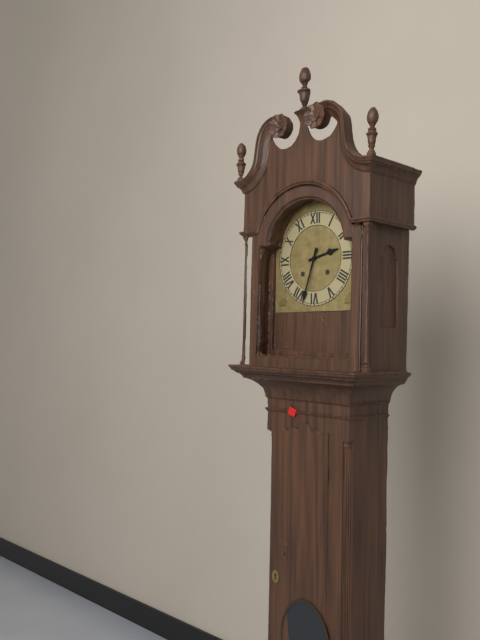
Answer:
**2:33**
